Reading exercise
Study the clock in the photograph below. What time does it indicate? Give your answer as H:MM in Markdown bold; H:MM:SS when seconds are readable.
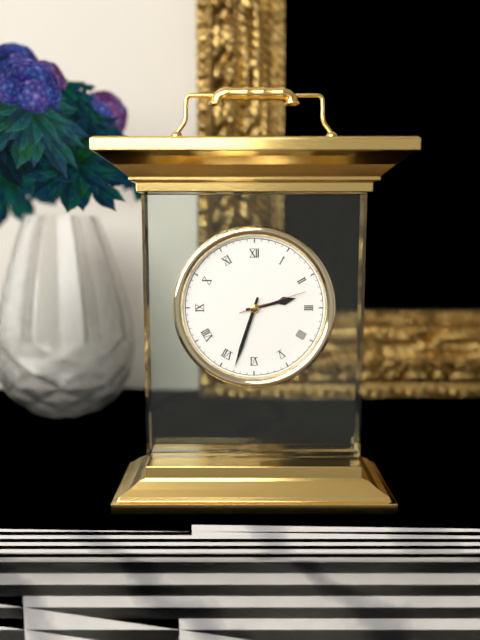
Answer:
**2:33:12**
